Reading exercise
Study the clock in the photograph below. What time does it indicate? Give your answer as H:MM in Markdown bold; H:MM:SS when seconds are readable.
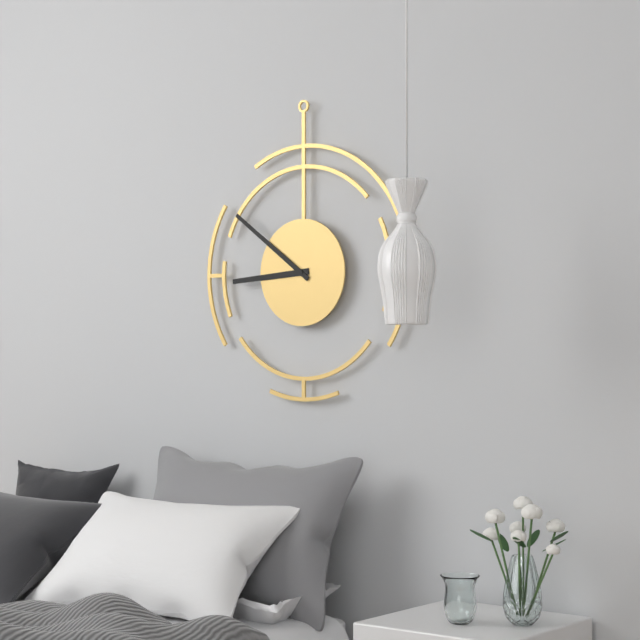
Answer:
**8:51**
